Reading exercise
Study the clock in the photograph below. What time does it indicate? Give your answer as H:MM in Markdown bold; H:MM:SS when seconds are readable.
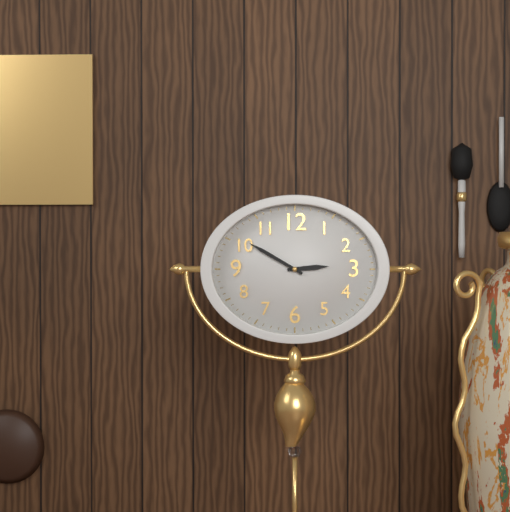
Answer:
**2:50**
